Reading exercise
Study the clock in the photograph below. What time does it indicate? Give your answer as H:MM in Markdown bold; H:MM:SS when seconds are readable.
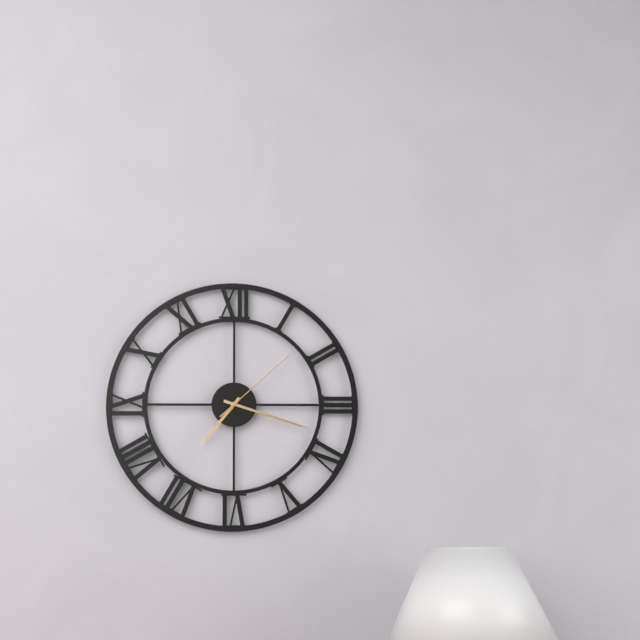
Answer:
**7:18:08**
